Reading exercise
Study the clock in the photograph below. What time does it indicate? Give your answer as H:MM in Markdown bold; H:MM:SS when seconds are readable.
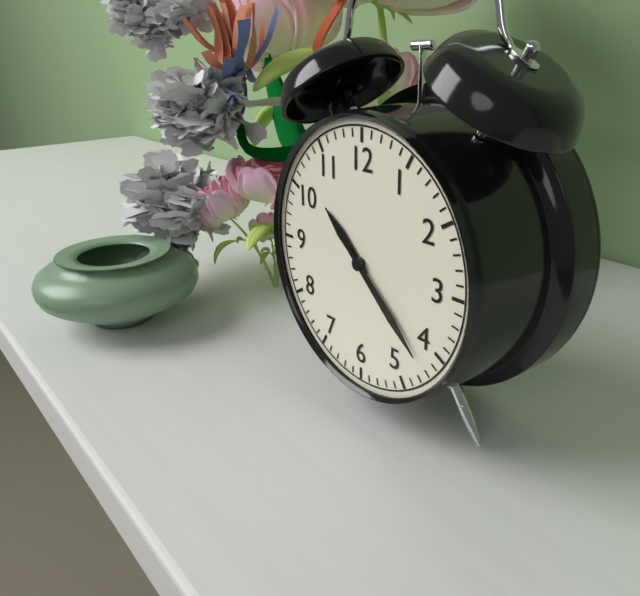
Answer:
**10:22**
